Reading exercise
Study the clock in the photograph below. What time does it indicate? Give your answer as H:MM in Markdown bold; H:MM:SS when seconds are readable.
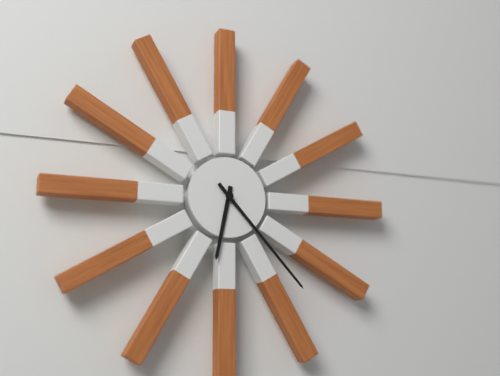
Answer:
**6:23**
